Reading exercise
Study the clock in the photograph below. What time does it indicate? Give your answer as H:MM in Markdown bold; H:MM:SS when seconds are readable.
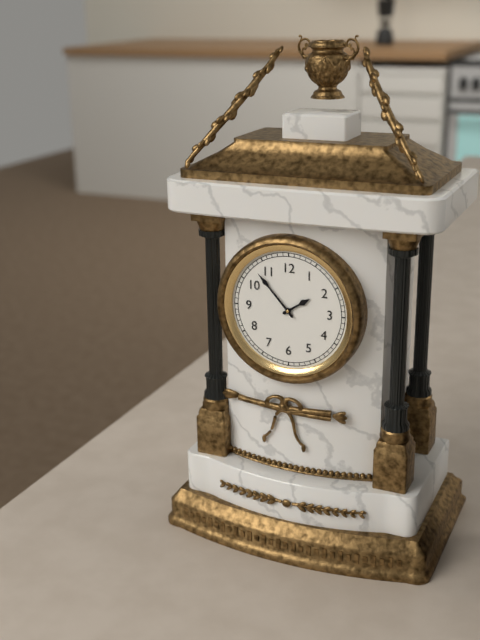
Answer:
**1:53**
